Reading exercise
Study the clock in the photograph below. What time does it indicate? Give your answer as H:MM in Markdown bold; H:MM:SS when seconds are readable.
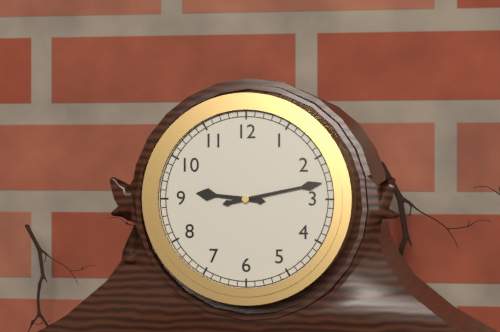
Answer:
**9:13**
